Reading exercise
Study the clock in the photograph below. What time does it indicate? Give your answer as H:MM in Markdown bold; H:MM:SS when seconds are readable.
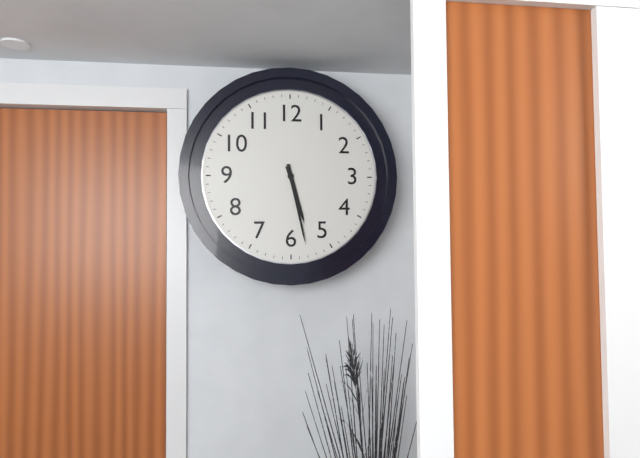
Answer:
**5:28**
